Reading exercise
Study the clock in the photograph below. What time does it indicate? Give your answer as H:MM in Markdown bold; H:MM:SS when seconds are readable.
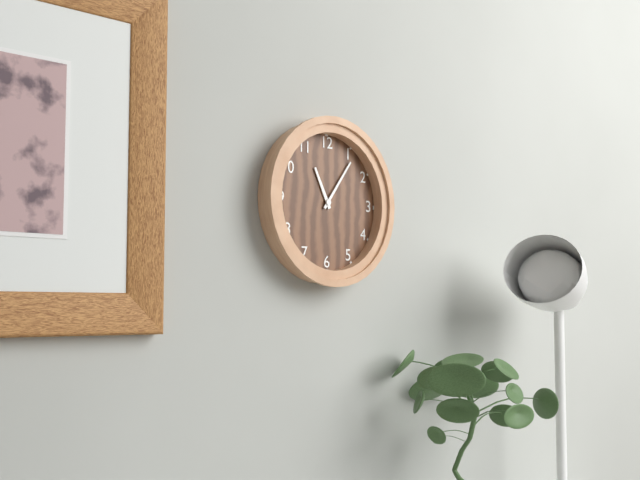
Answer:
**11:06**
